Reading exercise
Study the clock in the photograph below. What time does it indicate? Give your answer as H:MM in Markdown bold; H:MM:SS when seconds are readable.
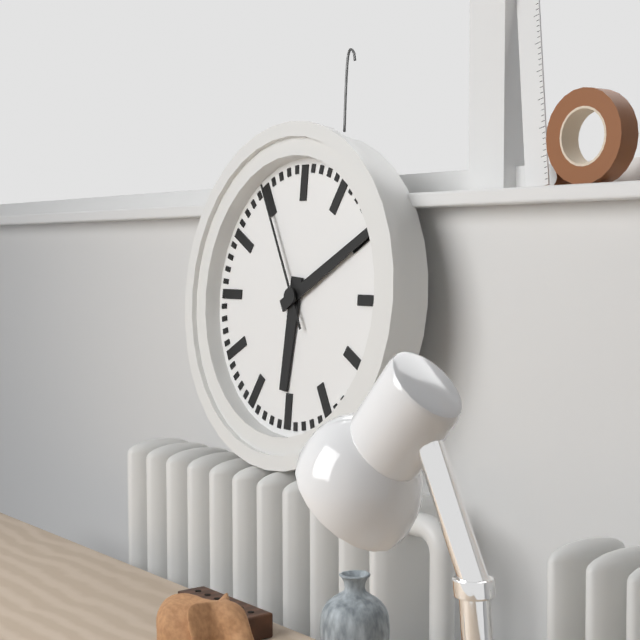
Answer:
**6:10:55**
